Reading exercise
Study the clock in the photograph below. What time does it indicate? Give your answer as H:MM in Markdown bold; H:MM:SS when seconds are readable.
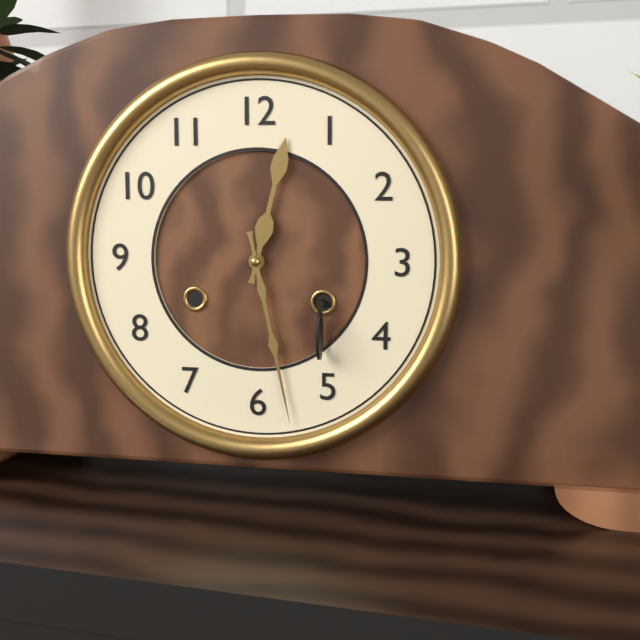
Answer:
**12:28**
